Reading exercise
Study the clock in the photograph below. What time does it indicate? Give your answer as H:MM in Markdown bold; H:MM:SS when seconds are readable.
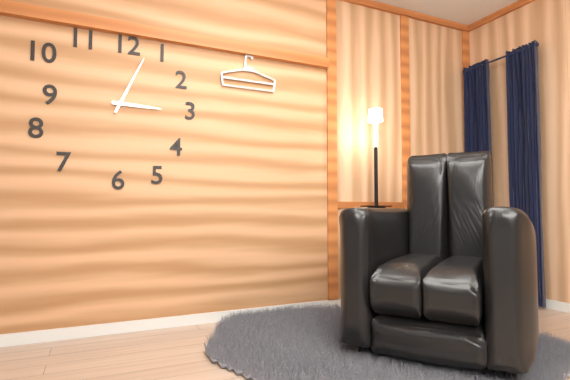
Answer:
**3:04**
